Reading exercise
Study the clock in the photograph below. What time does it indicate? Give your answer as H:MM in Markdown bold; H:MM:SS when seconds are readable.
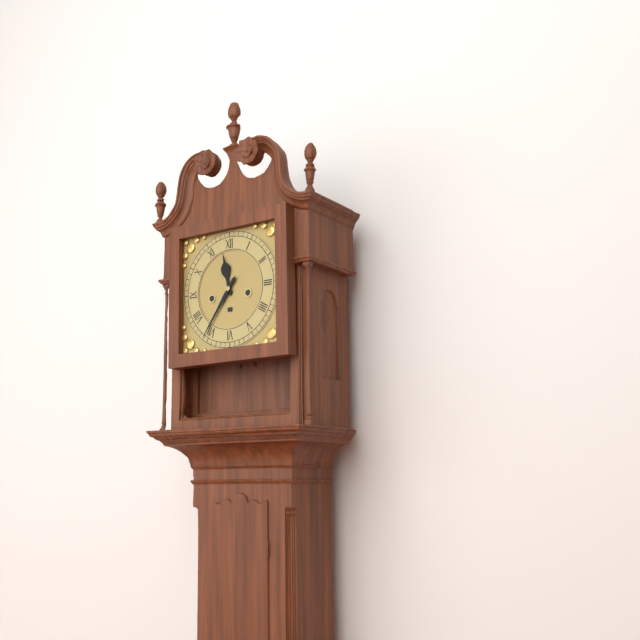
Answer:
**11:36**
